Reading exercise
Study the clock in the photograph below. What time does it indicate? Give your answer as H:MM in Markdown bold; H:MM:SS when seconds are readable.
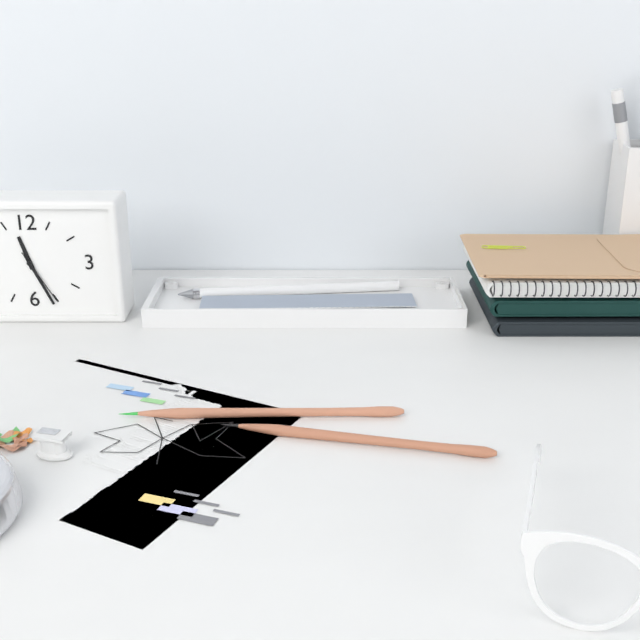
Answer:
**11:26:25**
